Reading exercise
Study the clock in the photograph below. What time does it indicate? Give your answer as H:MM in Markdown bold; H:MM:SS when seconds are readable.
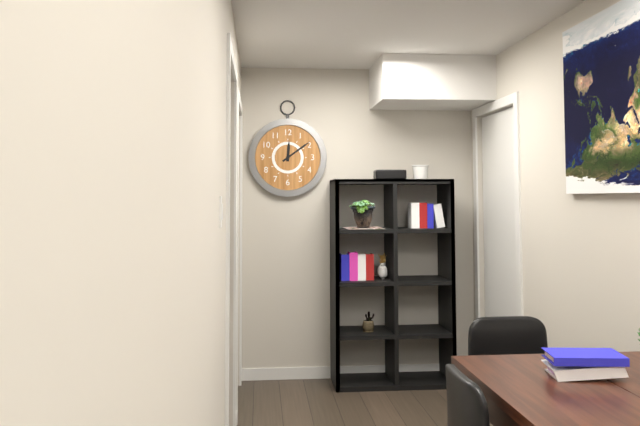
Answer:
**12:09**
